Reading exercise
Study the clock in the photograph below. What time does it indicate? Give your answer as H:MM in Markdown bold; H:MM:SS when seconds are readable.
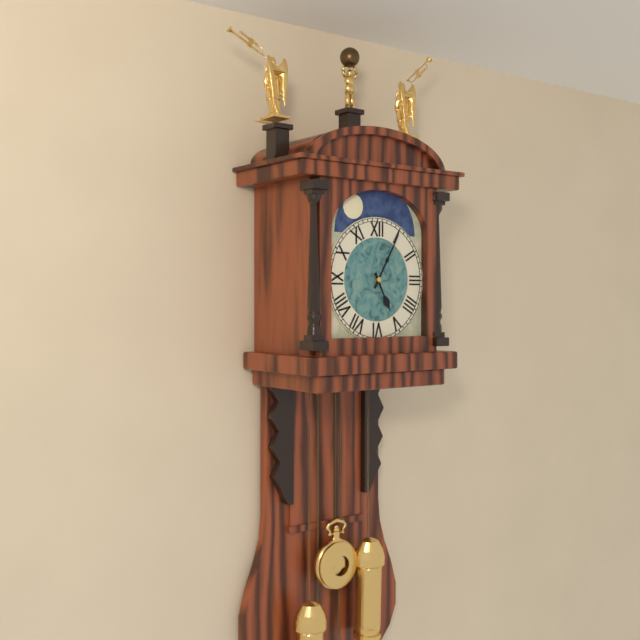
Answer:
**5:05**
